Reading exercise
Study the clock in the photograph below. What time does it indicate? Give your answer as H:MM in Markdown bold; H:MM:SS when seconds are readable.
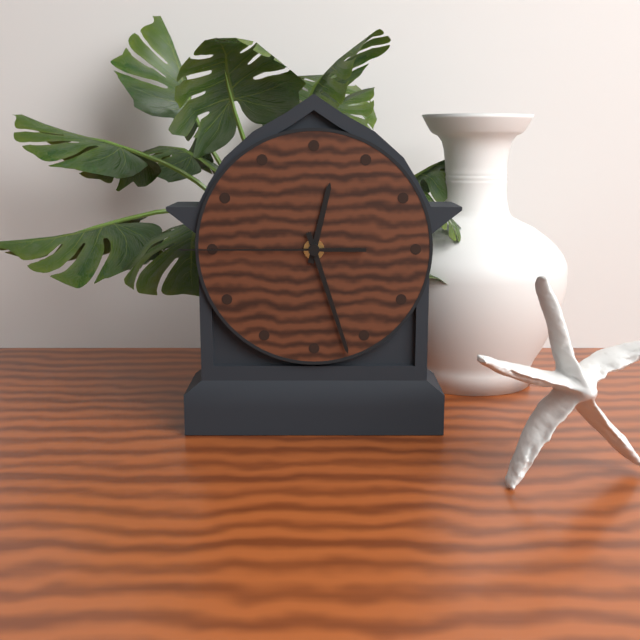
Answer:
**12:27:45**
